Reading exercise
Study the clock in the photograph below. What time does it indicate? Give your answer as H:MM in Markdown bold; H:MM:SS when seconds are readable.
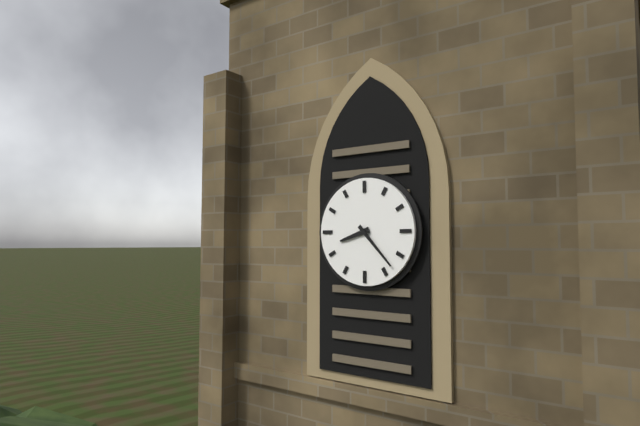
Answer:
**8:23**
